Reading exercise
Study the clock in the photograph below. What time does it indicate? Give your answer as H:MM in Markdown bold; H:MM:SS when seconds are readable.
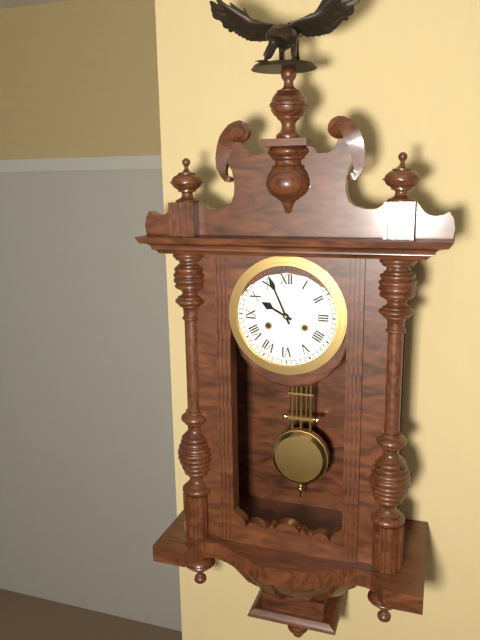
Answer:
**9:56**
